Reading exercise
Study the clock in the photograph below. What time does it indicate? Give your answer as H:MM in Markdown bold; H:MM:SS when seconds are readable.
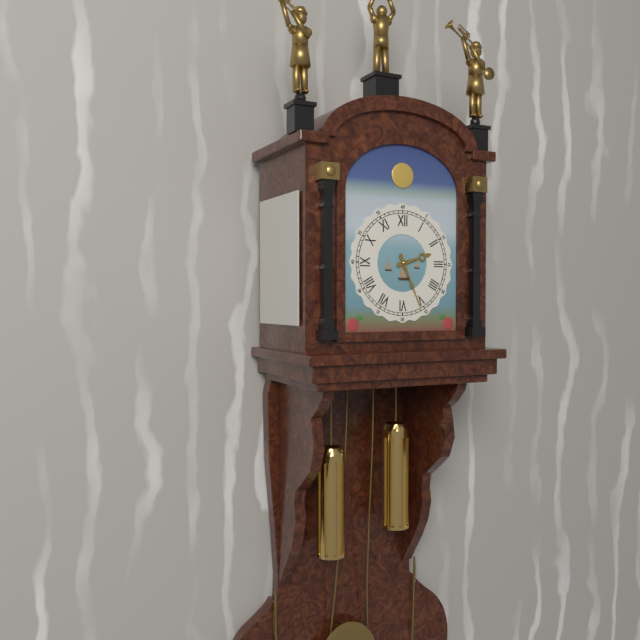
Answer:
**2:26**
